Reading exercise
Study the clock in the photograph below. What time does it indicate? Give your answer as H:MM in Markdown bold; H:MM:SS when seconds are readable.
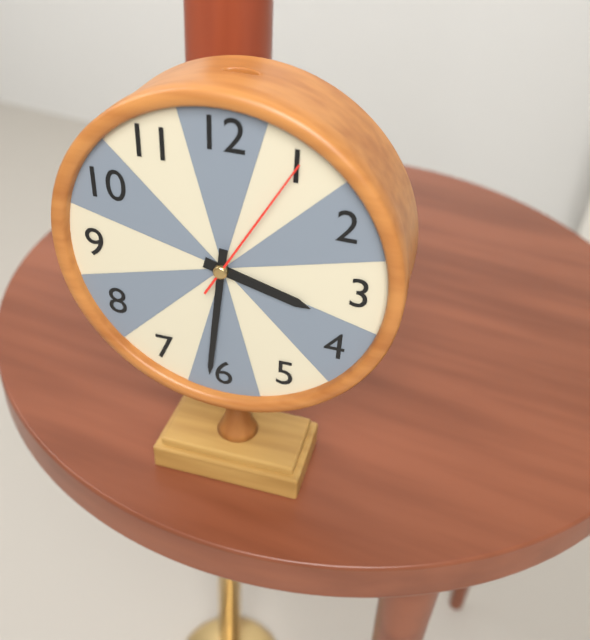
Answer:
**3:31:05**
